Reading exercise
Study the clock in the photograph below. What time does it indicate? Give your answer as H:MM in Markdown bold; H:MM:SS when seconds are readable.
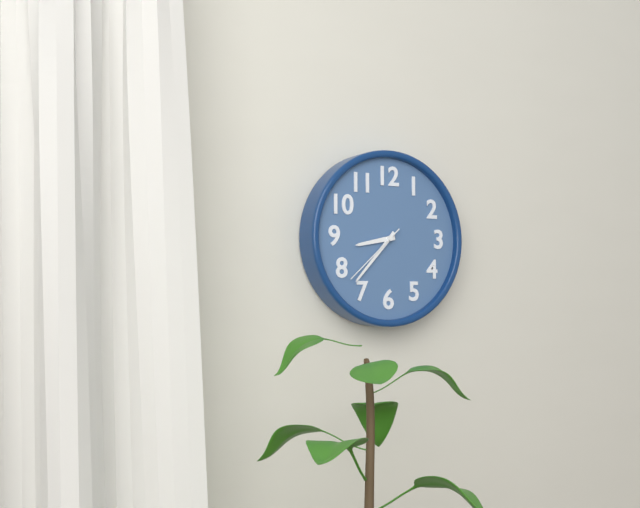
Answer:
**8:37:38**
